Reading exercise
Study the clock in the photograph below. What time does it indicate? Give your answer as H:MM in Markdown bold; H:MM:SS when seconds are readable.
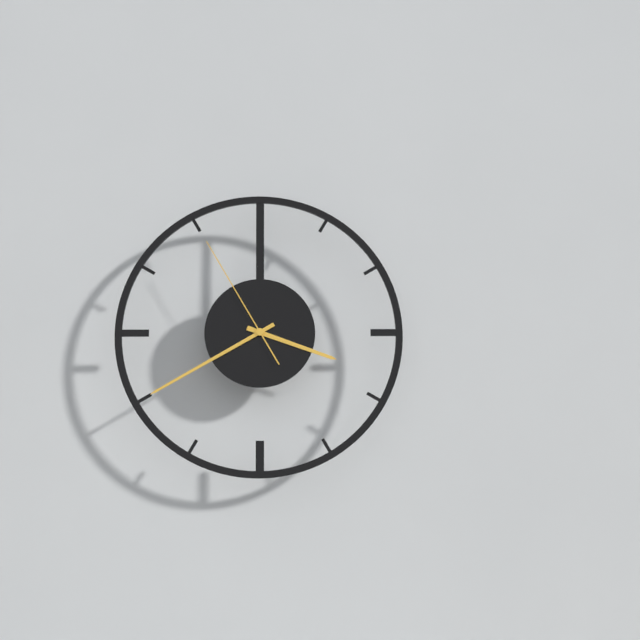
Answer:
**3:40:55**
